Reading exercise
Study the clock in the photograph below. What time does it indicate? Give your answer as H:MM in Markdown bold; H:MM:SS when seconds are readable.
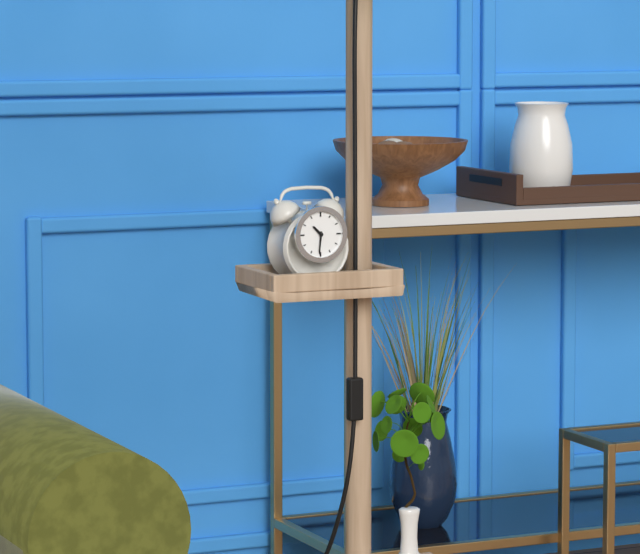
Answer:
**10:31**
